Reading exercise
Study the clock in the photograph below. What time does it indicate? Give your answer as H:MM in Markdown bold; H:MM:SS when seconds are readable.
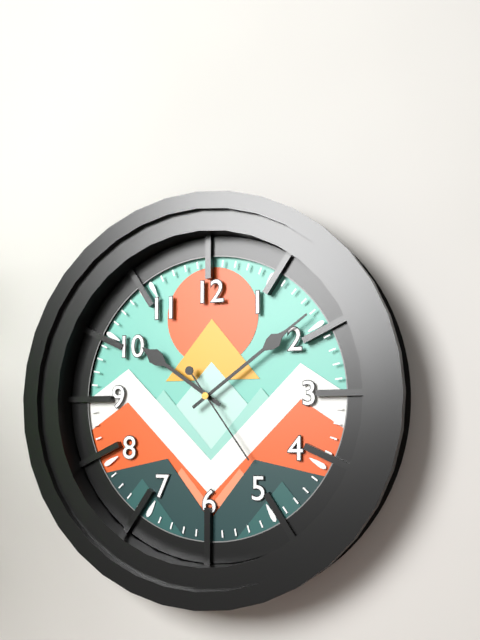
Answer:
**10:09:24**
